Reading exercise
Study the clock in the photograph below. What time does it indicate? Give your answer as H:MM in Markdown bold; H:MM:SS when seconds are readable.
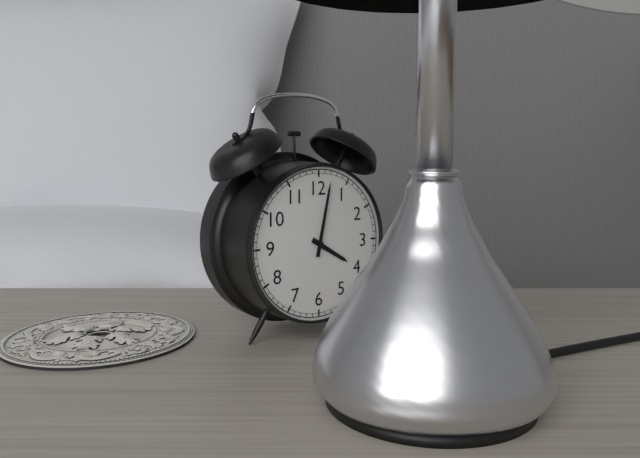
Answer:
**4:02**
